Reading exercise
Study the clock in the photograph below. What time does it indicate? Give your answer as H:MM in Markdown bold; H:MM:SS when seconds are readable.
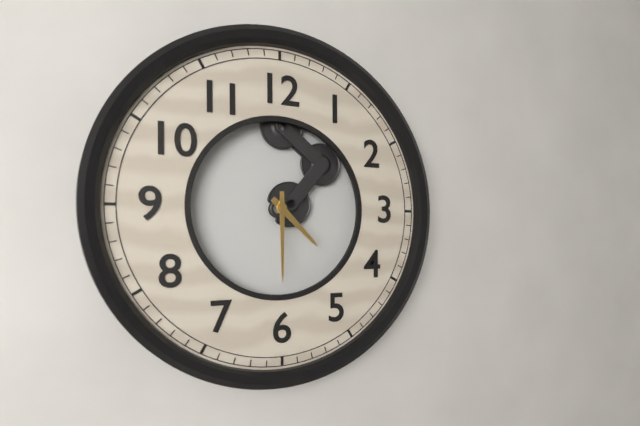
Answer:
**4:30**
